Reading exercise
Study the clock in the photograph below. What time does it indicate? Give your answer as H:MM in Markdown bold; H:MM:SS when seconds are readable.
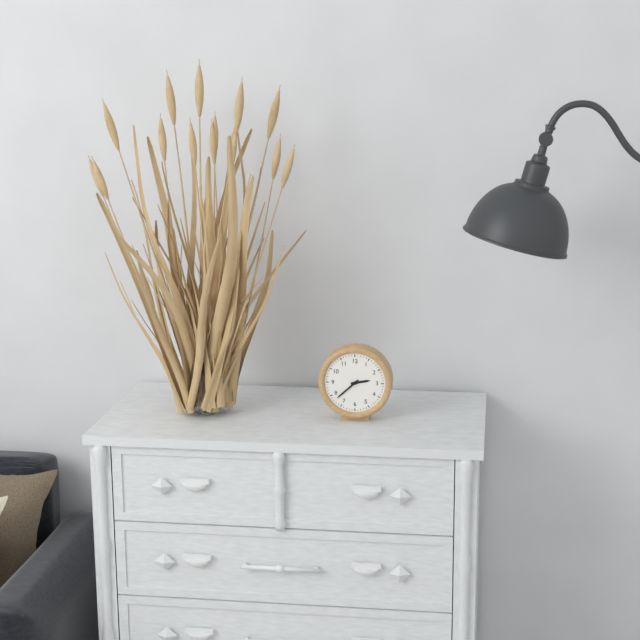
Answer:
**2:38**
